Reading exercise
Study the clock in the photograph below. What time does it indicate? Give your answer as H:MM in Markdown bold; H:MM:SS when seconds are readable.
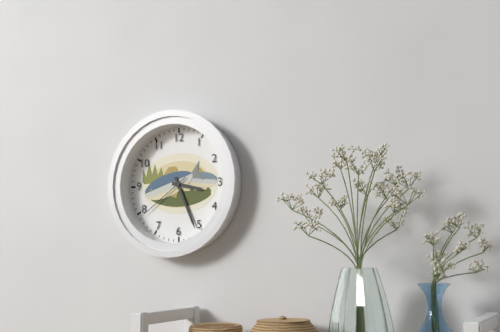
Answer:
**3:26:39**
